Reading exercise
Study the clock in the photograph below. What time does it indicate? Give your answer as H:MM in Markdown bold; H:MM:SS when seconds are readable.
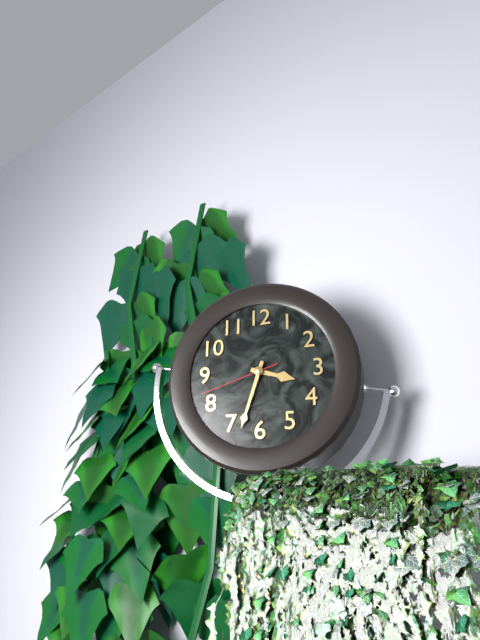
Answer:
**3:33:42**
